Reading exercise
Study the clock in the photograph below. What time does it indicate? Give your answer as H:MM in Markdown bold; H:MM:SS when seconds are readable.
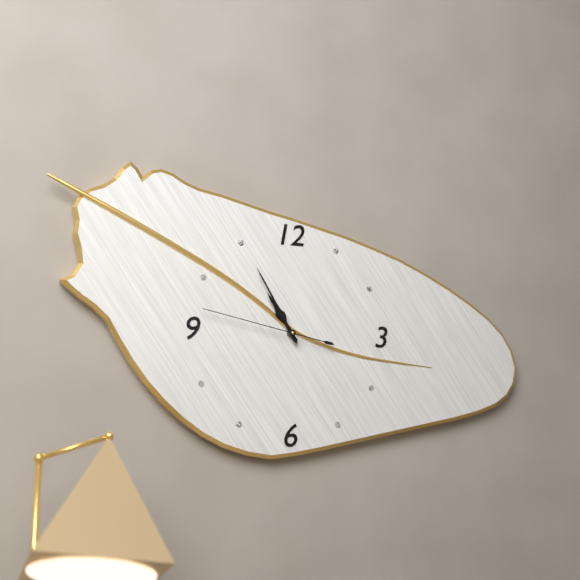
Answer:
**10:55:47**
